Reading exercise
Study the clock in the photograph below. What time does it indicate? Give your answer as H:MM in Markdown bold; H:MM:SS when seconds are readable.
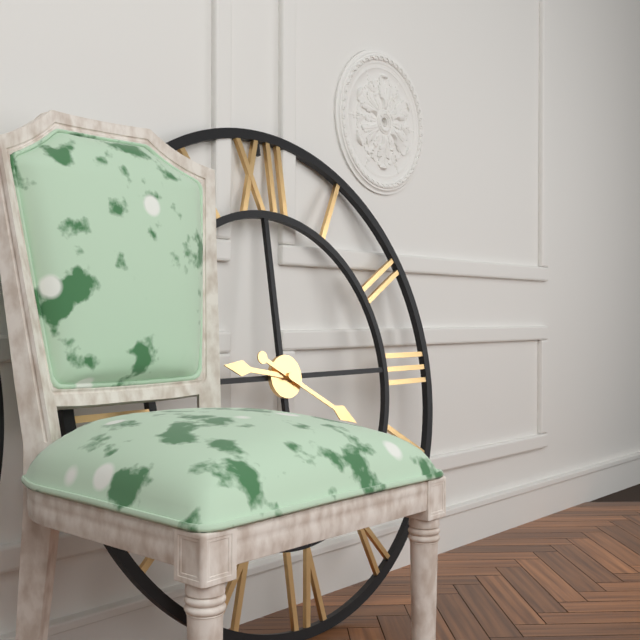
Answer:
**9:20**
